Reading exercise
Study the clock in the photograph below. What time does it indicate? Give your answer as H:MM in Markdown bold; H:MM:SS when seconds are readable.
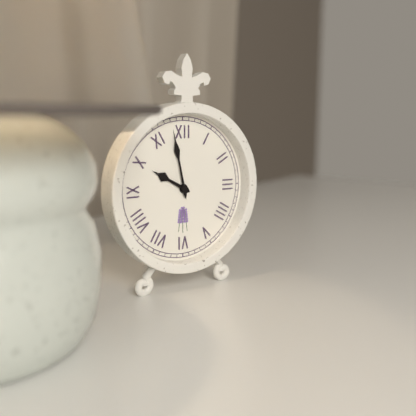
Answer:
**9:58**
